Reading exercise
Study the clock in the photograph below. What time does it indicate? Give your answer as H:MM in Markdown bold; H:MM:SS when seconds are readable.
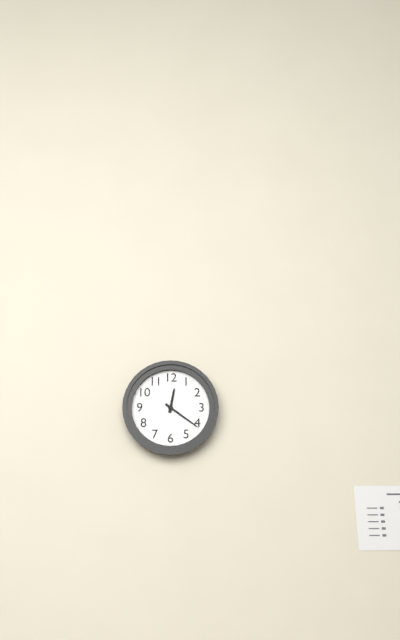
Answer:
**12:21**
